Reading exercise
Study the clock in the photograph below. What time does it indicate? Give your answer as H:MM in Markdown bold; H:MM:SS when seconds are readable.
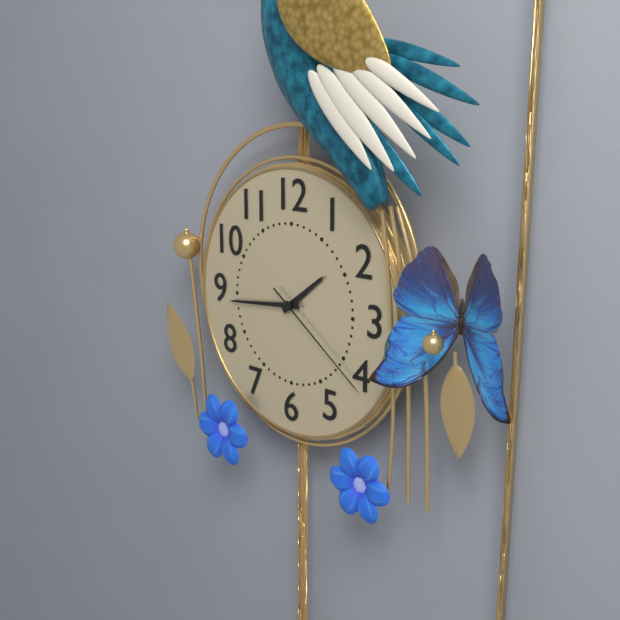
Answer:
**1:44:21**
